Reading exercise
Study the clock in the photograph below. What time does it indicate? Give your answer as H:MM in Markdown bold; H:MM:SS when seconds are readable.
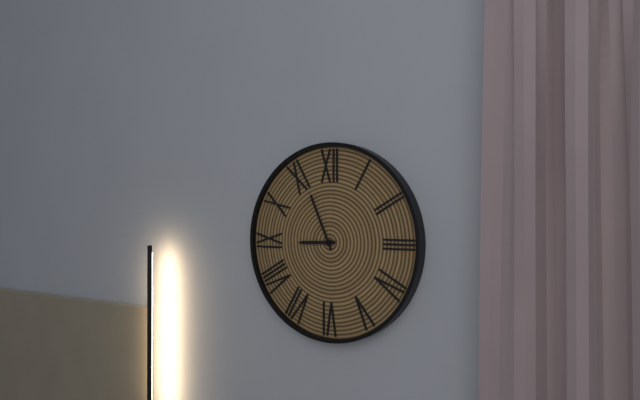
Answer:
**8:56**
